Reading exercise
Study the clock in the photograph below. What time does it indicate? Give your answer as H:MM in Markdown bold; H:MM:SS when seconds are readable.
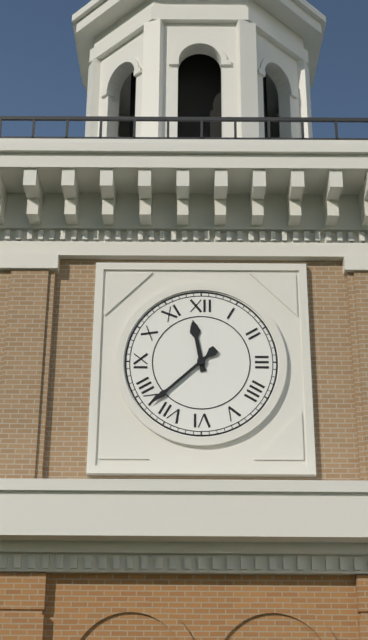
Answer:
**11:38**
